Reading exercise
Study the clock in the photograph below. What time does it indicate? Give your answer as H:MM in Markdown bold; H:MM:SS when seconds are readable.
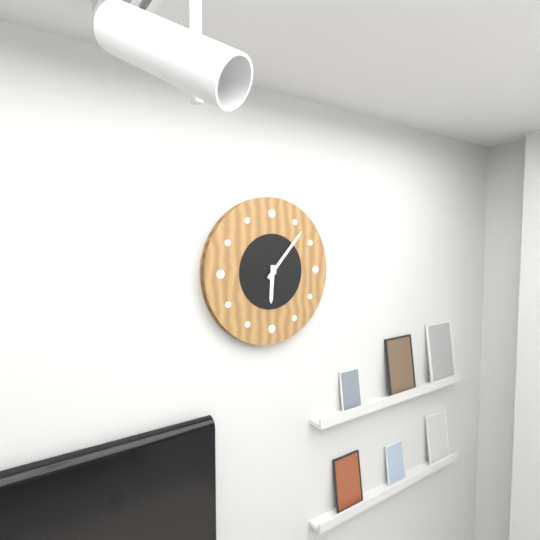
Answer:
**6:07**
